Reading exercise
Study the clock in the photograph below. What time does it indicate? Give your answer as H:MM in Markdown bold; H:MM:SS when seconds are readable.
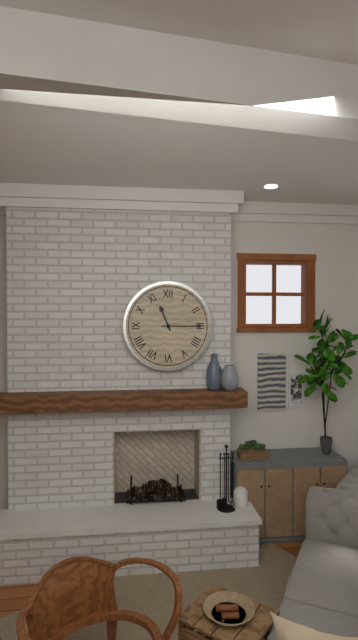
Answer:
**11:15**
